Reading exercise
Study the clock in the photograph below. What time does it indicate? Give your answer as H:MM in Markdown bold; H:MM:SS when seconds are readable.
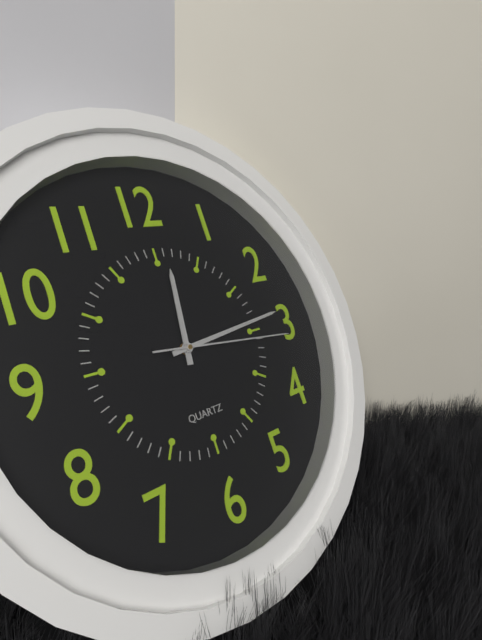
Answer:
**12:14:16**
